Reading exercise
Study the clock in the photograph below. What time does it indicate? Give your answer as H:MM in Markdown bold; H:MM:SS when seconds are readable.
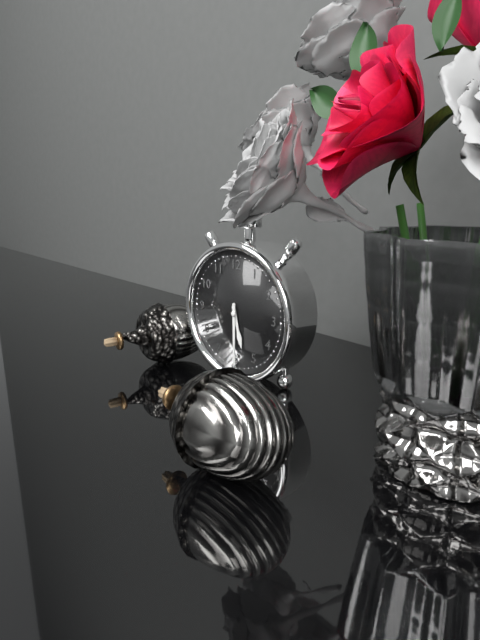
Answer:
**5:30**
